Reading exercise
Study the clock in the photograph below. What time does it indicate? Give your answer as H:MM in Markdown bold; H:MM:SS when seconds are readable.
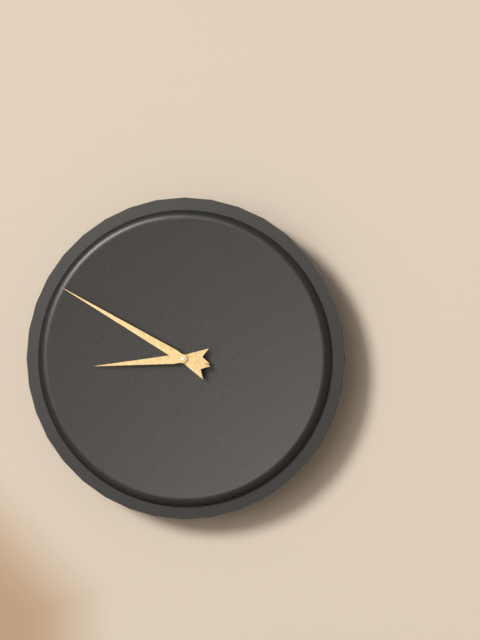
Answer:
**8:50**
